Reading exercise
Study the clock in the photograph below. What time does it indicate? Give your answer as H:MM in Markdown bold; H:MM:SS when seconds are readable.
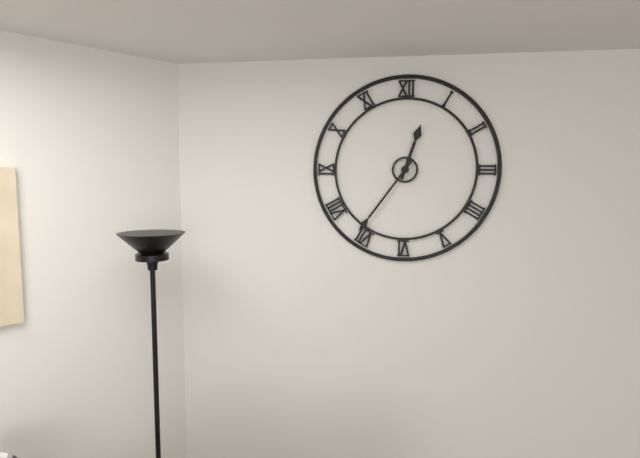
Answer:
**12:36**
